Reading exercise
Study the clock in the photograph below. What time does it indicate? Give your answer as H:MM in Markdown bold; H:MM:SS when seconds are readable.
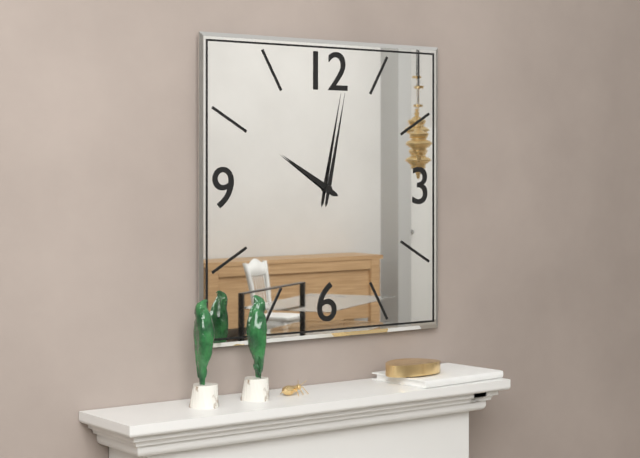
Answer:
**10:02**
